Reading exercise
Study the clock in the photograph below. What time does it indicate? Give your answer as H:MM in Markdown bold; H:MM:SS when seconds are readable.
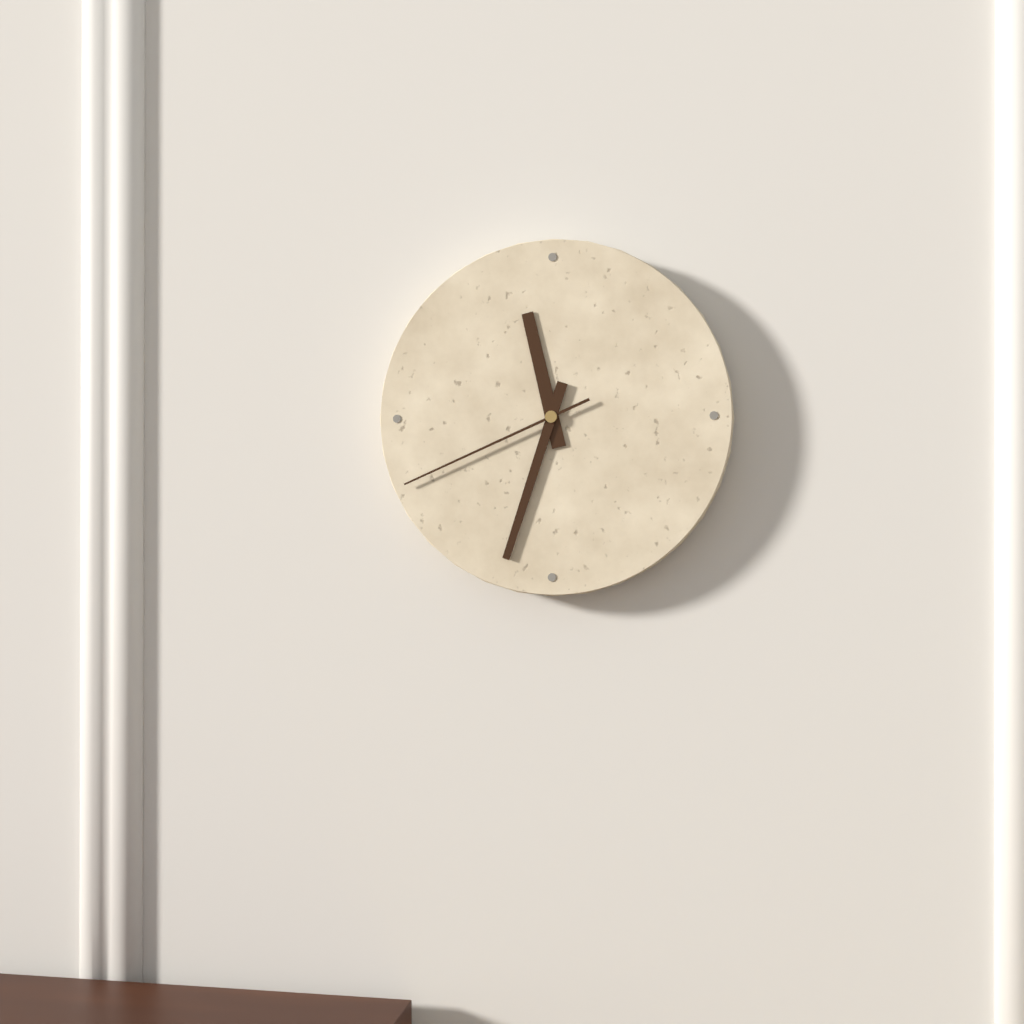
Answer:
**11:33:41**
